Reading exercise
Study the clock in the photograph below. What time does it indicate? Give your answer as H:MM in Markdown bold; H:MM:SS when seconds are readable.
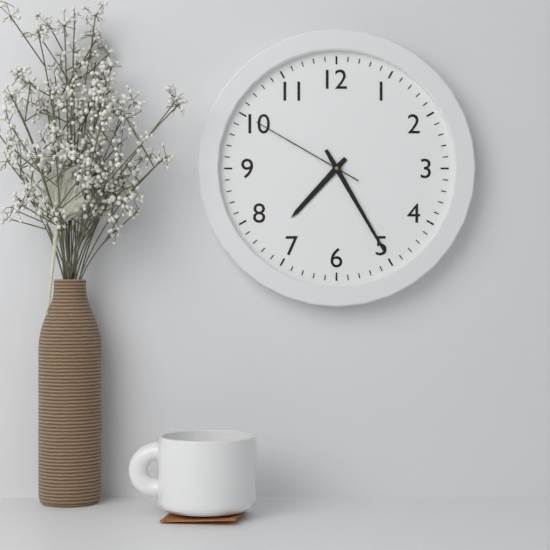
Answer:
**7:25:50**
